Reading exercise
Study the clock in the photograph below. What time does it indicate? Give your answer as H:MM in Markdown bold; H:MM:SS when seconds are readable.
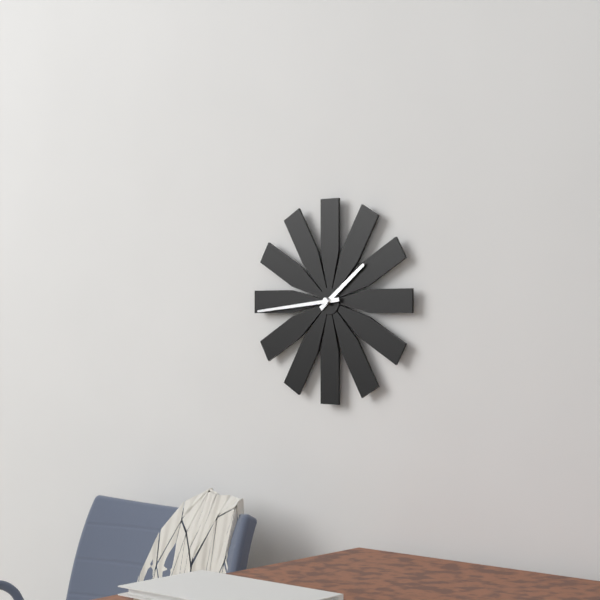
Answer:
**1:44**
